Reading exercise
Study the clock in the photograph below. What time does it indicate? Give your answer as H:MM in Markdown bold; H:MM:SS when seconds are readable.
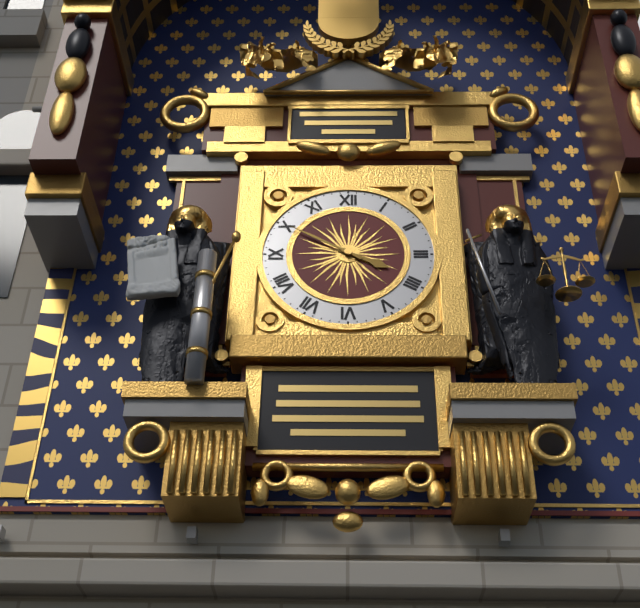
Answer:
**3:50**
